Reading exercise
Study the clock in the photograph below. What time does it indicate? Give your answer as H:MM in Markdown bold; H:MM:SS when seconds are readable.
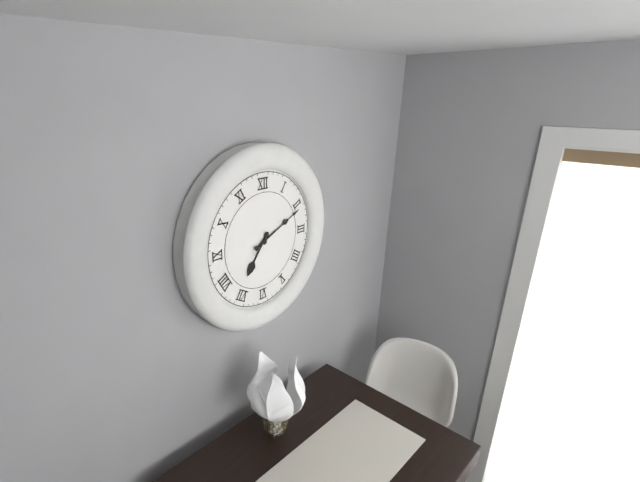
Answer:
**7:11**
